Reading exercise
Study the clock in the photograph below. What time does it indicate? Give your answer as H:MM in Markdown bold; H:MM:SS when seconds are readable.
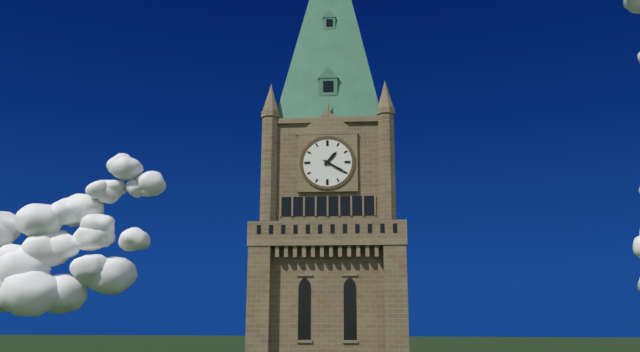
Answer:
**1:20**
